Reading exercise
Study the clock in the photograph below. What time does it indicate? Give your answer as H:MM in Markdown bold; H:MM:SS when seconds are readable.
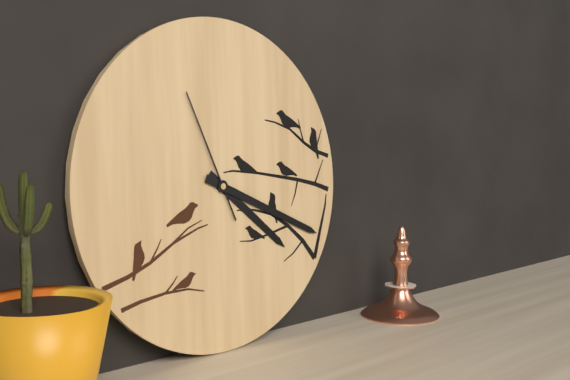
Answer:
**4:19:56**
